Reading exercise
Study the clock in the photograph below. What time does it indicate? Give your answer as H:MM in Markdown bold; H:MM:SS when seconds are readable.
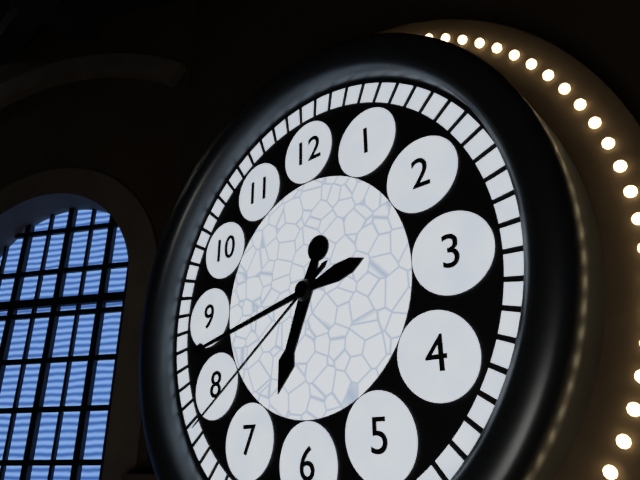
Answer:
**6:43:39**
